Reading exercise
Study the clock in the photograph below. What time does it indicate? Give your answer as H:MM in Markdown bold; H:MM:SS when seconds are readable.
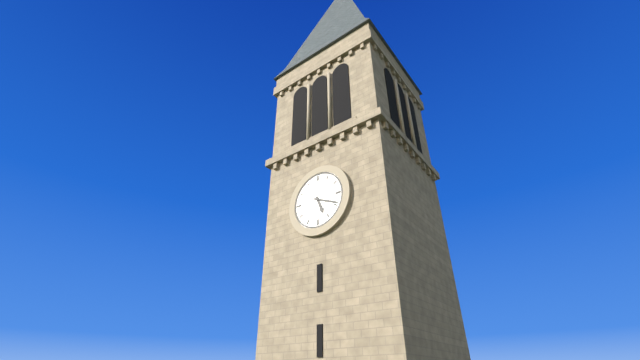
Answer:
**5:19**
